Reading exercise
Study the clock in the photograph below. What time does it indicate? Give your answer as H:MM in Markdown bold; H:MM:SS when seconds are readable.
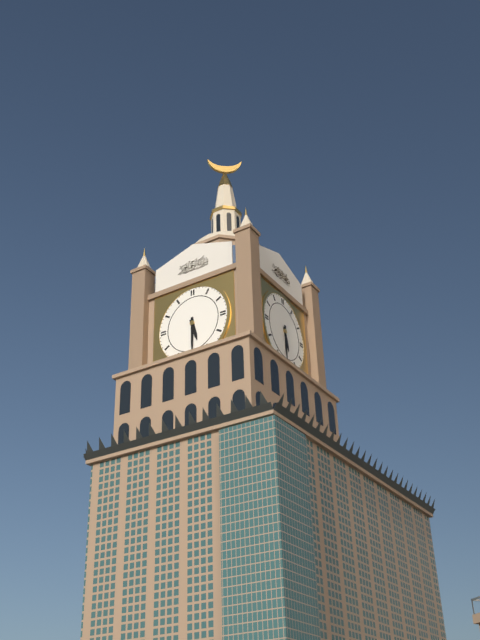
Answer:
**5:30**
